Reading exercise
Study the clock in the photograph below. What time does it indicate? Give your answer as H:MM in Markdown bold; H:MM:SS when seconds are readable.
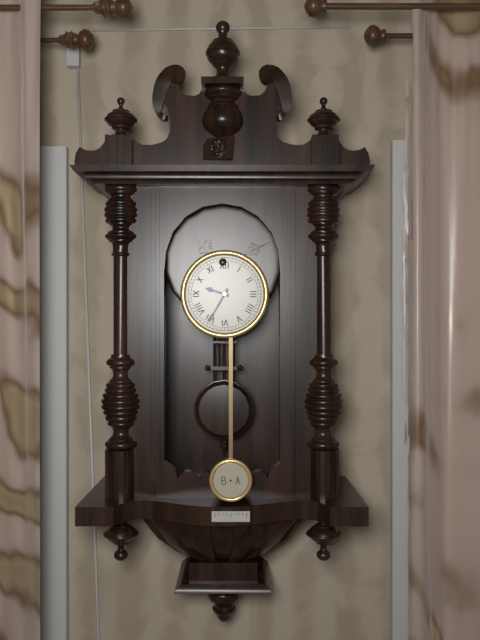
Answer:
**9:35**
